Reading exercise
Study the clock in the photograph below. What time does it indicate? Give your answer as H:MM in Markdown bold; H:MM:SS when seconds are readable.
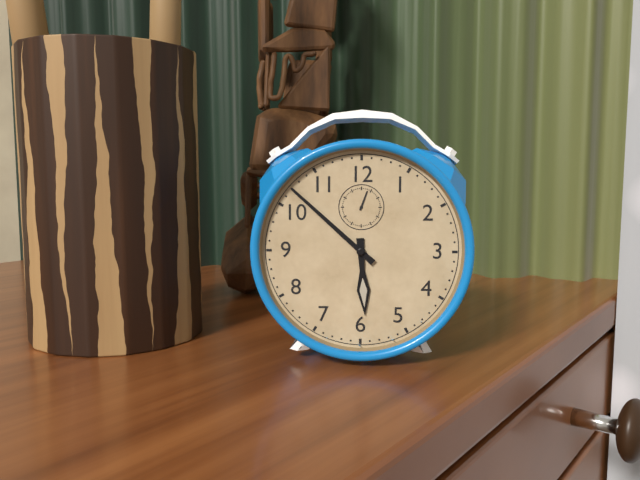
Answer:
**5:52**
